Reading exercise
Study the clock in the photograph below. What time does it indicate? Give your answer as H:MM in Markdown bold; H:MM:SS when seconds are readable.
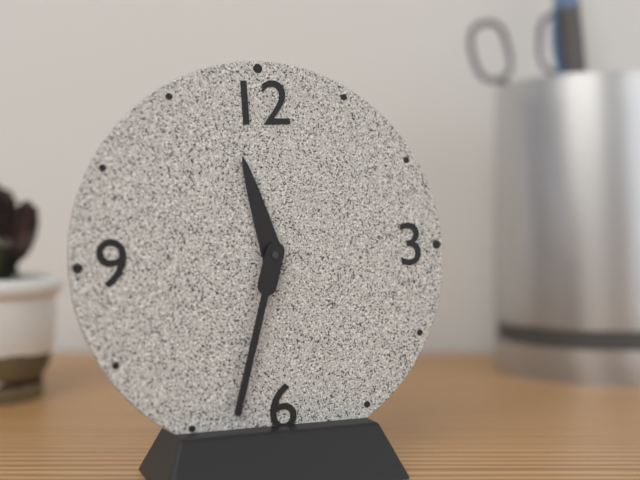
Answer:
**11:33**
